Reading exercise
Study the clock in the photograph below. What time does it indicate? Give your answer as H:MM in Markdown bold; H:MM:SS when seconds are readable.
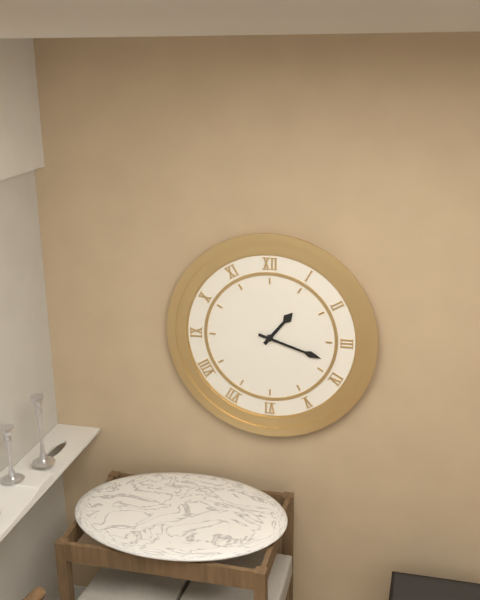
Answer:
**1:18**
